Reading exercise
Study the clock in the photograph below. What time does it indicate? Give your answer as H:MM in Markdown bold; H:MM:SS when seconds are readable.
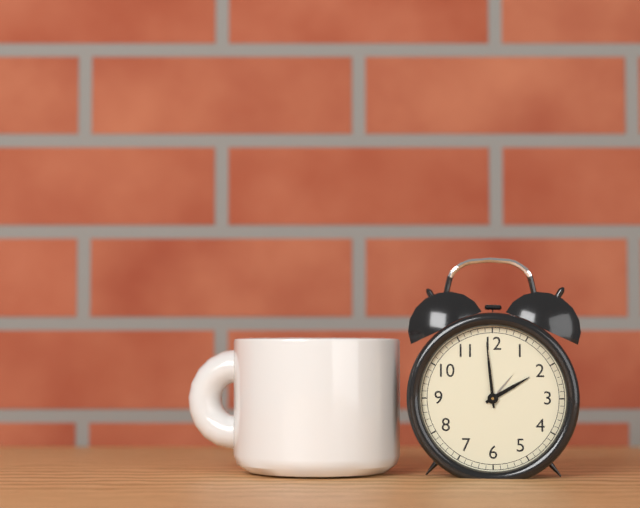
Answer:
**1:59**
